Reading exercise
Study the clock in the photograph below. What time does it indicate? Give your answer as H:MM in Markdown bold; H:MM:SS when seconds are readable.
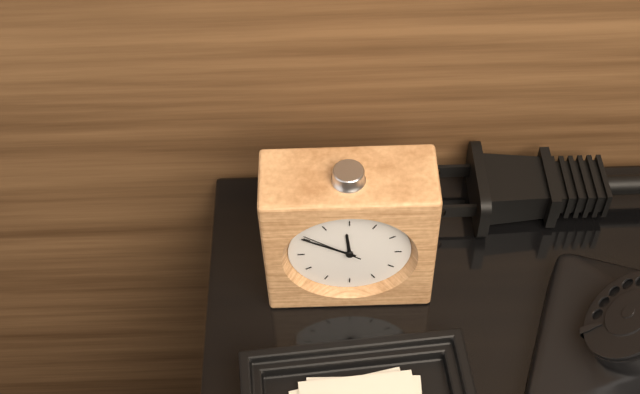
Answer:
**11:50:51**
